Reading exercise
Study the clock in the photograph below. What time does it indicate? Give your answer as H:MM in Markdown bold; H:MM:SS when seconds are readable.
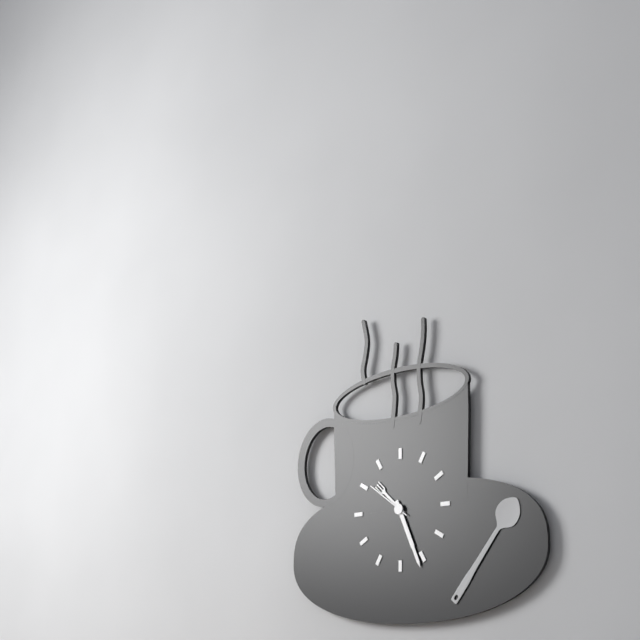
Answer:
**10:26:51**
